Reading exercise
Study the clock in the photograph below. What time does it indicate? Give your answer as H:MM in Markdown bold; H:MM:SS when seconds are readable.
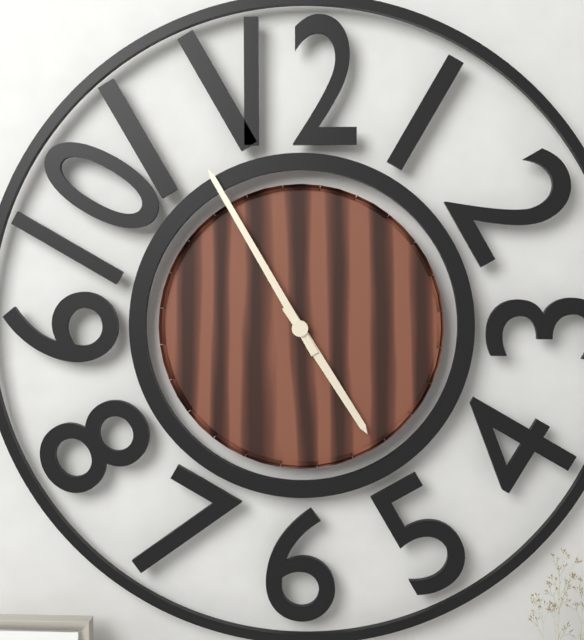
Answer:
**4:55**
